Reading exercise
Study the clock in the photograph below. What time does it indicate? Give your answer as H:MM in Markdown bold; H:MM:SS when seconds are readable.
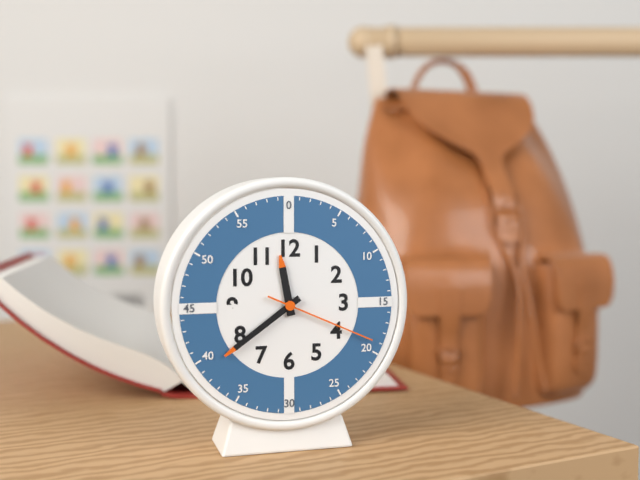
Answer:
**11:39:19**
